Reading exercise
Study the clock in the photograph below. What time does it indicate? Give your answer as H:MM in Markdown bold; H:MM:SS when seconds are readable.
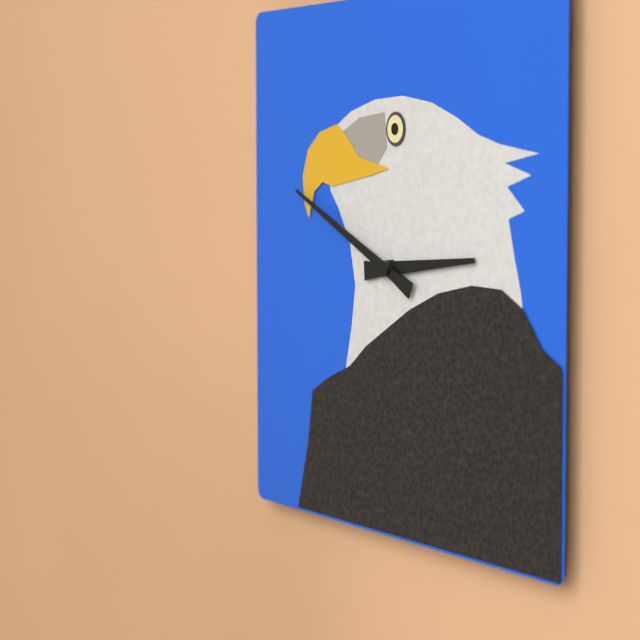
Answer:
**2:49**
